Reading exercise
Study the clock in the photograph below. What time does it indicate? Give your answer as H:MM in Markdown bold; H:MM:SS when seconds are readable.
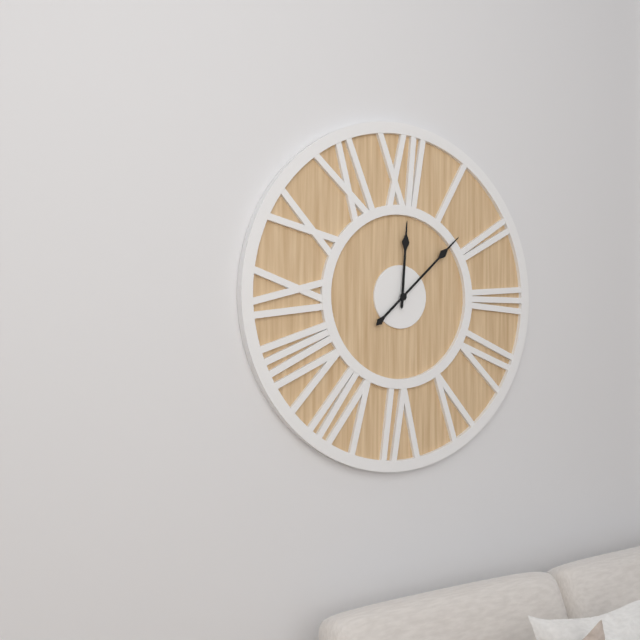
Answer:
**12:08**
